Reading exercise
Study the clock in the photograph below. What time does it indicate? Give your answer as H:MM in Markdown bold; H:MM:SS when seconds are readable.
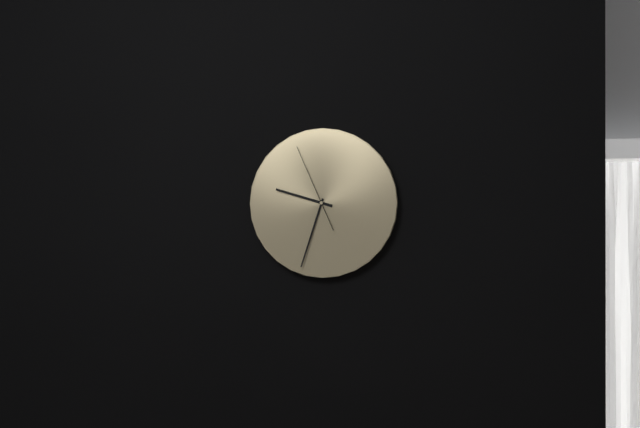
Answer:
**9:33:56**
